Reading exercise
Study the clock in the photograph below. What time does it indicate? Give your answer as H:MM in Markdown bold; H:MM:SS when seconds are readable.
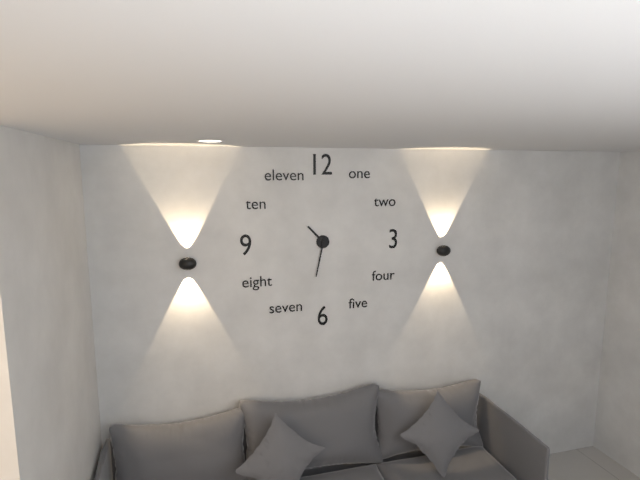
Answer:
**10:32**
